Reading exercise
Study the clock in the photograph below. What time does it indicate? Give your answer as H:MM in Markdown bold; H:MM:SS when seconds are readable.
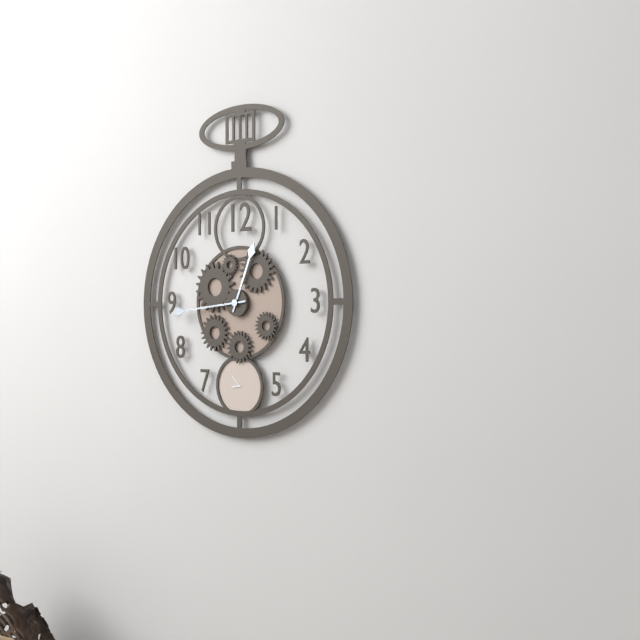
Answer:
**12:44**
